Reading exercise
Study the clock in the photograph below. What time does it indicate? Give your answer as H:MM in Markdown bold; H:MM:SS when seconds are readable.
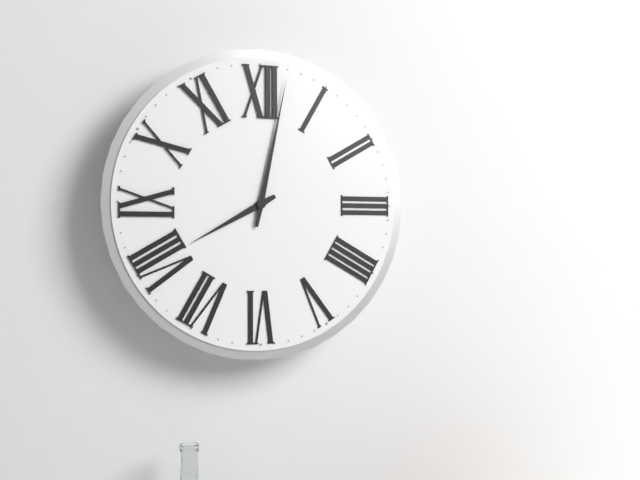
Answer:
**8:02**
